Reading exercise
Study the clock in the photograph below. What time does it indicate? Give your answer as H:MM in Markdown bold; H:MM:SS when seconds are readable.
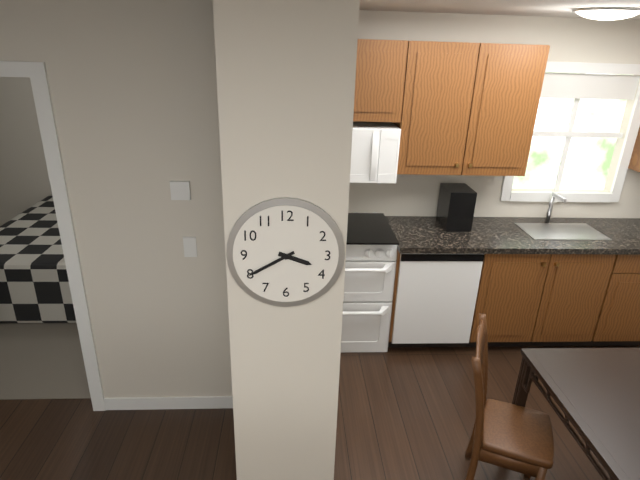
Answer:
**3:40**
